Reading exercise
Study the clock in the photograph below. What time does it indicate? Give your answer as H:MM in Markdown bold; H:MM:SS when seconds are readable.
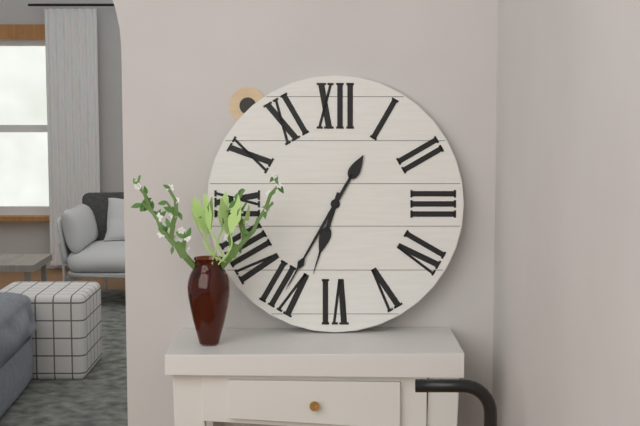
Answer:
**6:35**
